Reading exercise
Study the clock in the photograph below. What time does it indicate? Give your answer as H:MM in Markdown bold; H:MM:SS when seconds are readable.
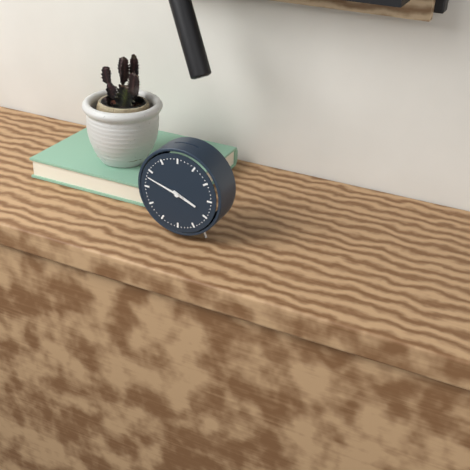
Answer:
**3:48**
